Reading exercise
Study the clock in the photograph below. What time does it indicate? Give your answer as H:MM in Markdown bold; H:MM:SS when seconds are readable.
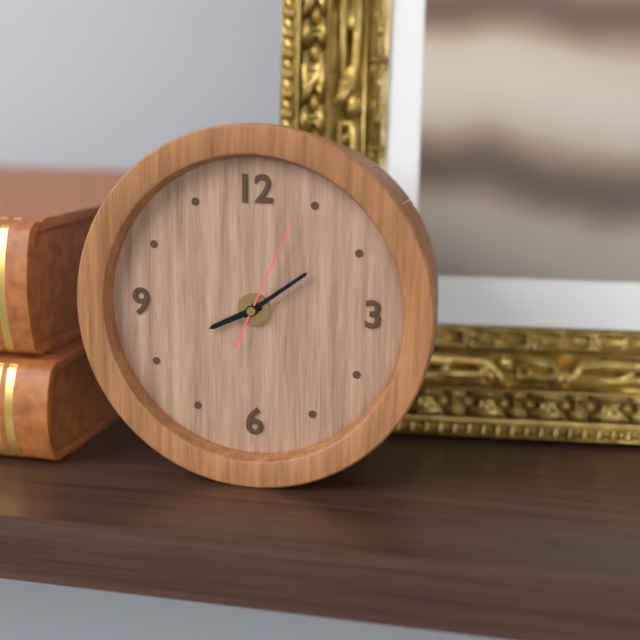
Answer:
**8:09:04**
